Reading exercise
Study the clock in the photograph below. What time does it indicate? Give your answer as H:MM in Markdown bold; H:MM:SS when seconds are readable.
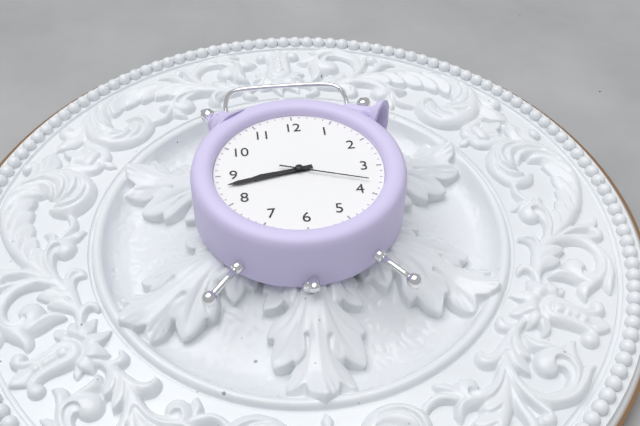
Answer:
**8:43:18**
